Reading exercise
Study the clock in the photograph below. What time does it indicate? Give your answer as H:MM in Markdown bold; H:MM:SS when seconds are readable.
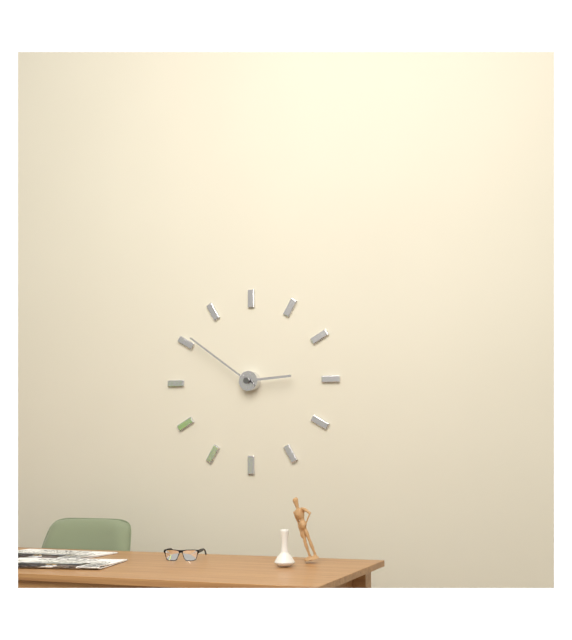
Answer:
**2:51**
